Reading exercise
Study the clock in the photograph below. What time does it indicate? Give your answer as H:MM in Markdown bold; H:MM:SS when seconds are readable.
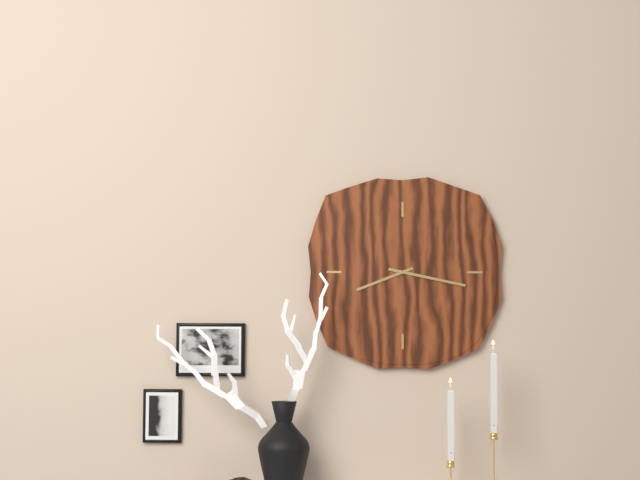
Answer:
**8:17**
